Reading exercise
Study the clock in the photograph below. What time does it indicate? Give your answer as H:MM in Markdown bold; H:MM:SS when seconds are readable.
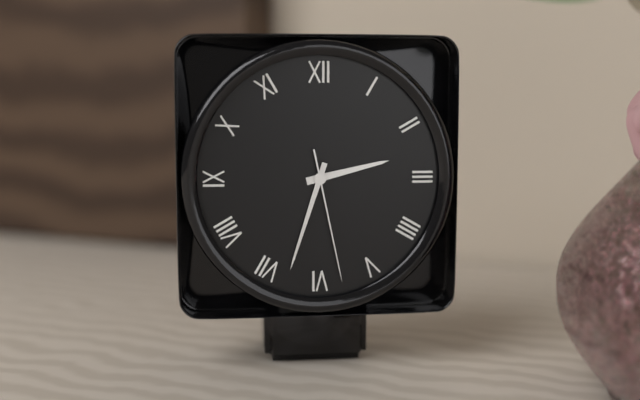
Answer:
**2:33:28**
